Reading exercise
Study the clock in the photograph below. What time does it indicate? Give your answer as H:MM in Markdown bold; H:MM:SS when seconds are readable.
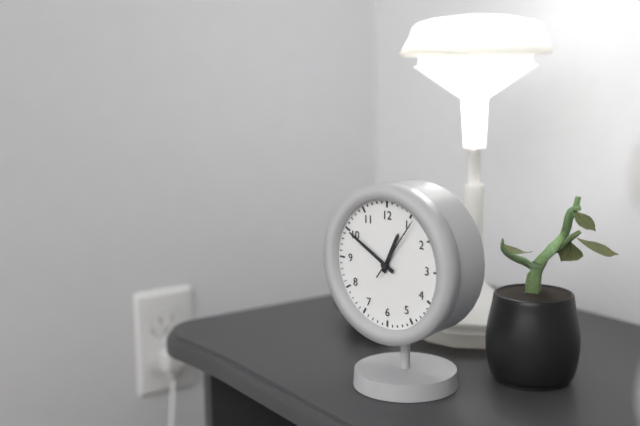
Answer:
**12:50:06**
